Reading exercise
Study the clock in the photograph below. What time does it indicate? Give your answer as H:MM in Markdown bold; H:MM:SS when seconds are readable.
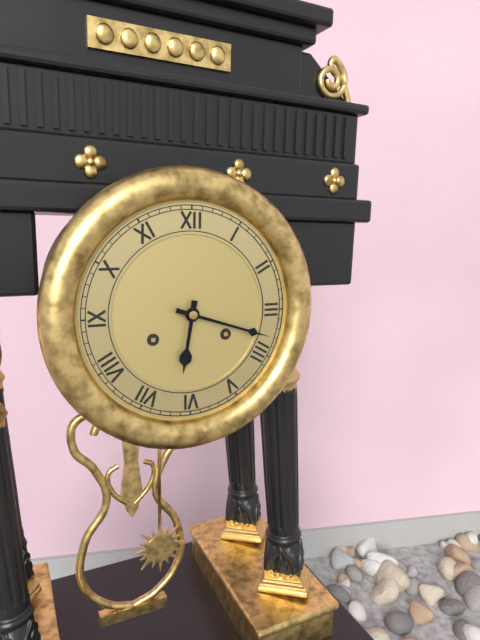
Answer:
**6:18**
